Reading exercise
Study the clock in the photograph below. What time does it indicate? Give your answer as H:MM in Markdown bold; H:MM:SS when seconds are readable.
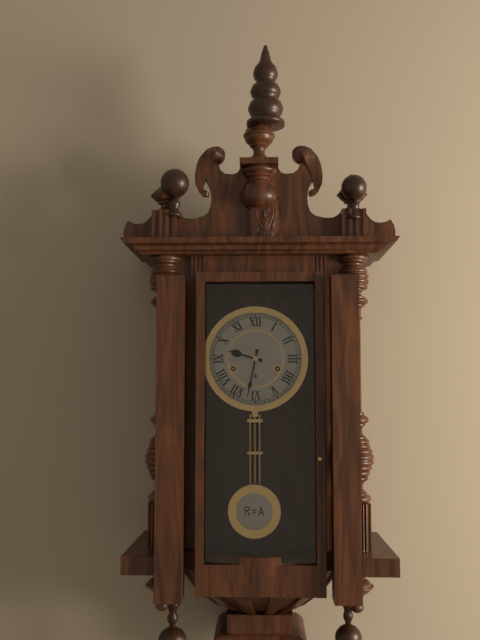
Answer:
**9:32**
